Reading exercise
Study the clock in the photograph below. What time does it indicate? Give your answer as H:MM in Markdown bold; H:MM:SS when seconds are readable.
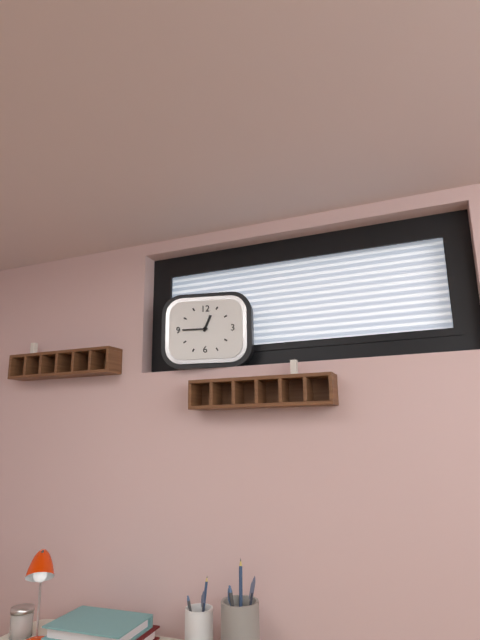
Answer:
**12:45**
